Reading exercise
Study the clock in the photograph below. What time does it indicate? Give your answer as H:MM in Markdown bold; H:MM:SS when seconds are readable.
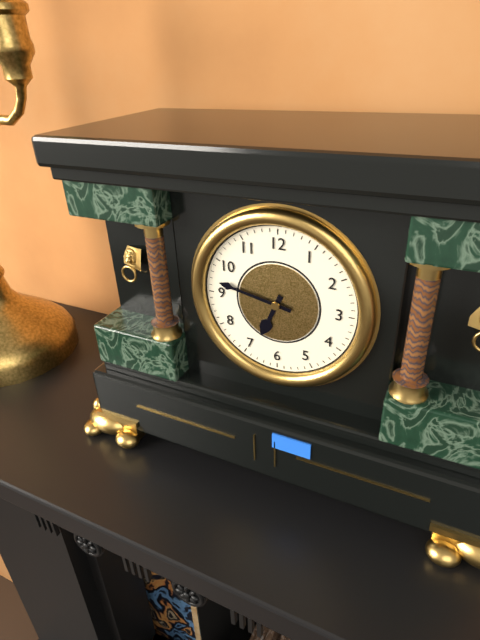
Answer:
**6:47**
